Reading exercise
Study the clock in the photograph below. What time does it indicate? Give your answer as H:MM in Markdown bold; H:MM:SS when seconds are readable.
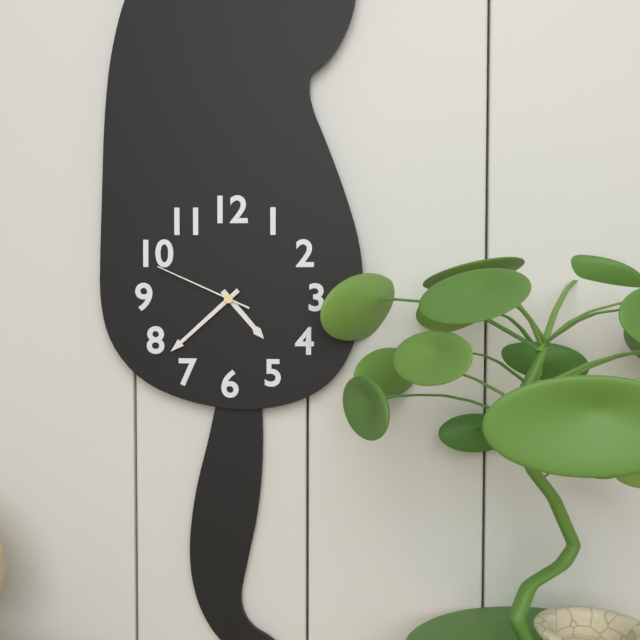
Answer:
**4:38:49**
